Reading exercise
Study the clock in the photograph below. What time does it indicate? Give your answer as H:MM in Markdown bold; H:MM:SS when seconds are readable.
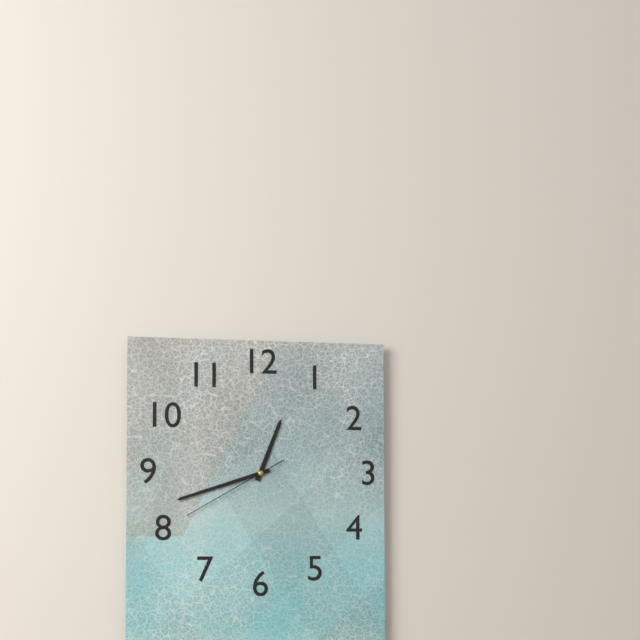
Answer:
**12:42:40**
